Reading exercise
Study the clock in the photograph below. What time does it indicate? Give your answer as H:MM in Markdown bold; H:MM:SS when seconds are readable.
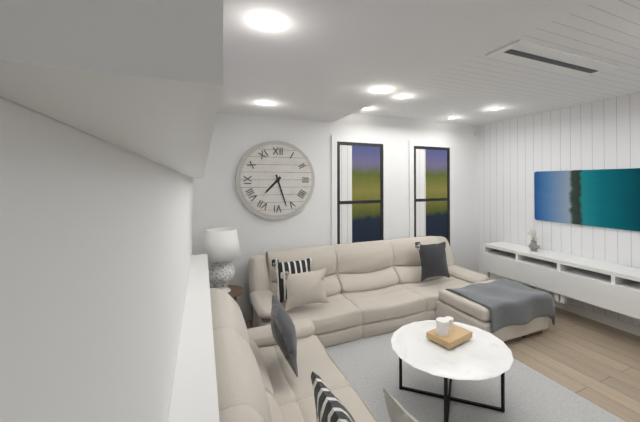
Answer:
**7:27**
